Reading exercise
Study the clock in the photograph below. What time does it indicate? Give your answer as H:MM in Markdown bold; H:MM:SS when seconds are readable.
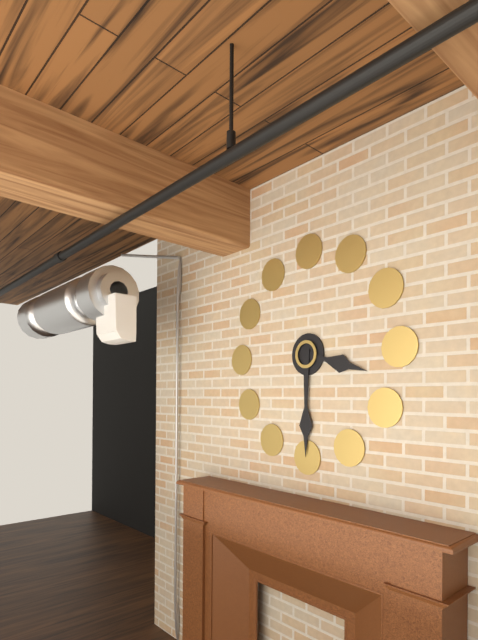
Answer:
**3:30**
